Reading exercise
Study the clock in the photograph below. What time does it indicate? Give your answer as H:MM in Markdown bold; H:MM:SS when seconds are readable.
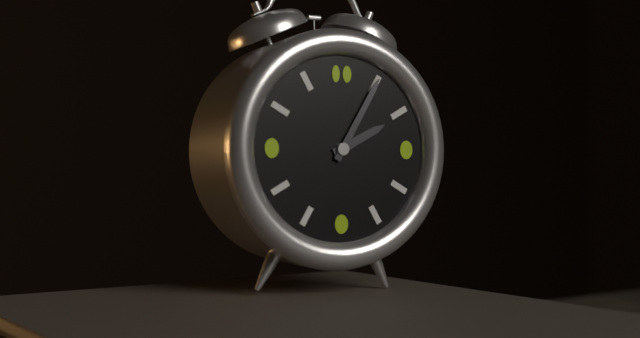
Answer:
**2:05**
